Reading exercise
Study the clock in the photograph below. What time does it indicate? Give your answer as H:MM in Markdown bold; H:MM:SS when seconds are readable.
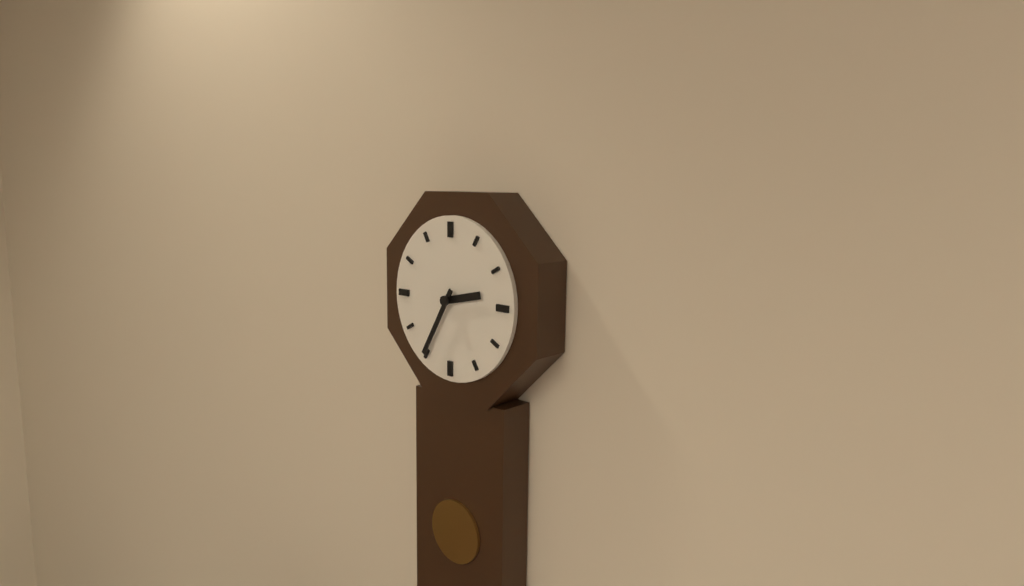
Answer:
**2:35**
